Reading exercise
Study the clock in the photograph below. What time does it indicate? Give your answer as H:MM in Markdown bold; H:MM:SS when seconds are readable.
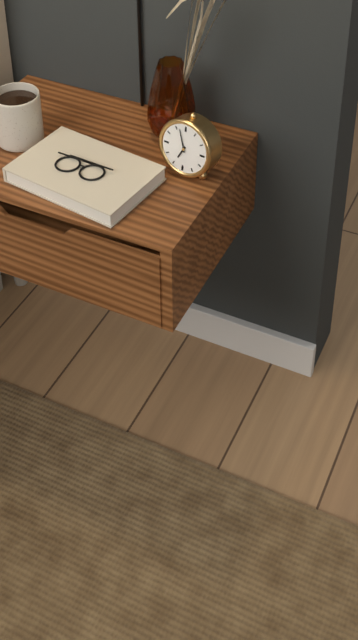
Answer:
**6:57**
